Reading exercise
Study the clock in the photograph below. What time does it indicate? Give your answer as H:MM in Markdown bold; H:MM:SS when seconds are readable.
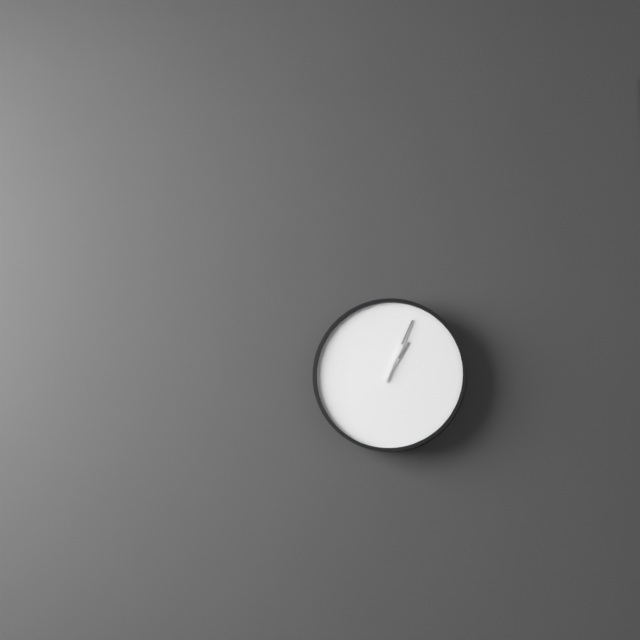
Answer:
**1:04**
